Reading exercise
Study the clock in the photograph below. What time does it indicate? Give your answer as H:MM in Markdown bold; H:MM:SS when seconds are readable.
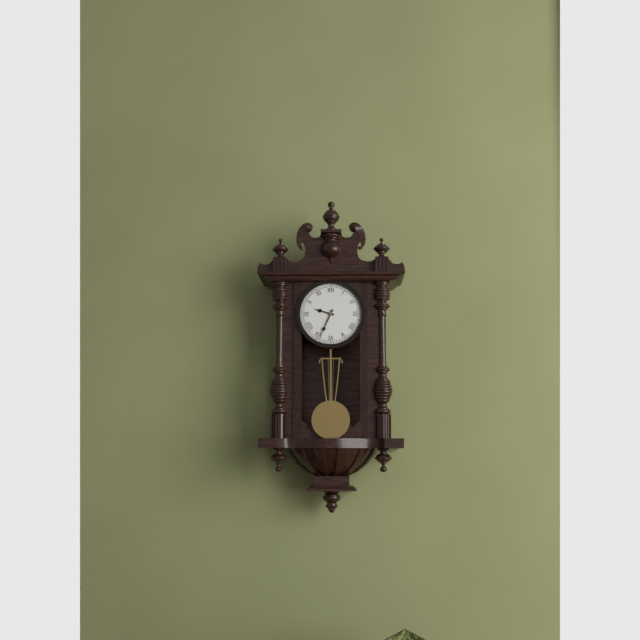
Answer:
**9:34**
